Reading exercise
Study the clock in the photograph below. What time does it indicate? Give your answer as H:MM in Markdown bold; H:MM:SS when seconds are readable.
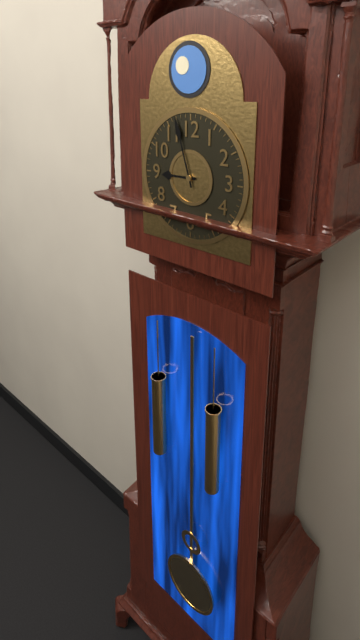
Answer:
**8:57**
